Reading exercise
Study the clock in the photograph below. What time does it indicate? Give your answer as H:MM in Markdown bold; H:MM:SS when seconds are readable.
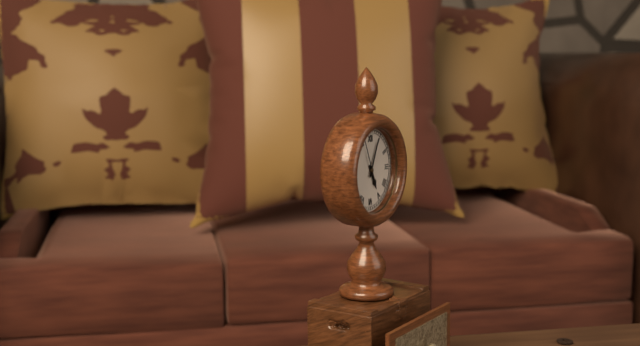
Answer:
**5:04**
